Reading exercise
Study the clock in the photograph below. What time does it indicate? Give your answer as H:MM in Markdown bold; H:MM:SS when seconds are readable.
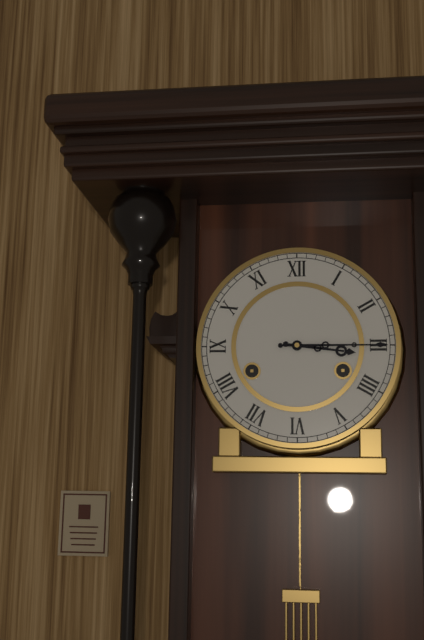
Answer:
**3:15**
